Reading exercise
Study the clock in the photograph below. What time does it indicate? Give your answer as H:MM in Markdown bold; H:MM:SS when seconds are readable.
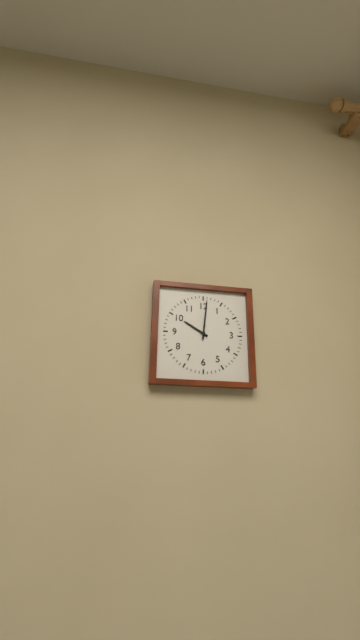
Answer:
**10:01**
